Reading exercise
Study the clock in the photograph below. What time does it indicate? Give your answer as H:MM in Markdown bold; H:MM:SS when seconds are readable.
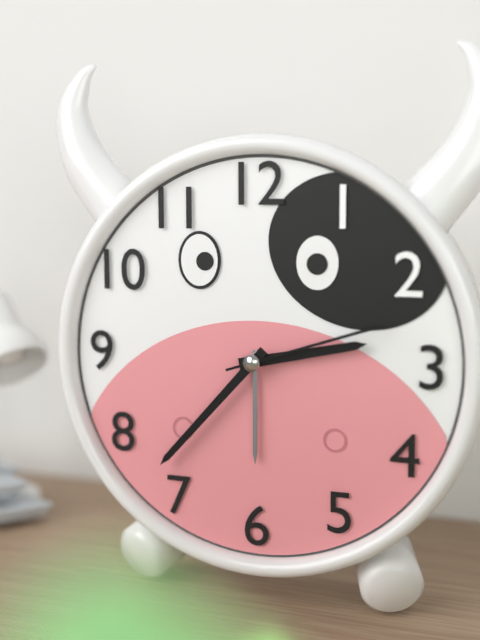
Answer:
**2:37:12**
